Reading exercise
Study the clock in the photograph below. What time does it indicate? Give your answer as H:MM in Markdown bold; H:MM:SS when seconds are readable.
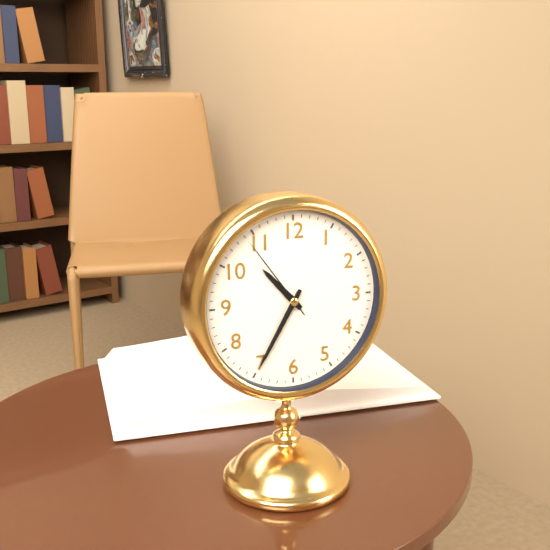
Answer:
**10:35:54**
